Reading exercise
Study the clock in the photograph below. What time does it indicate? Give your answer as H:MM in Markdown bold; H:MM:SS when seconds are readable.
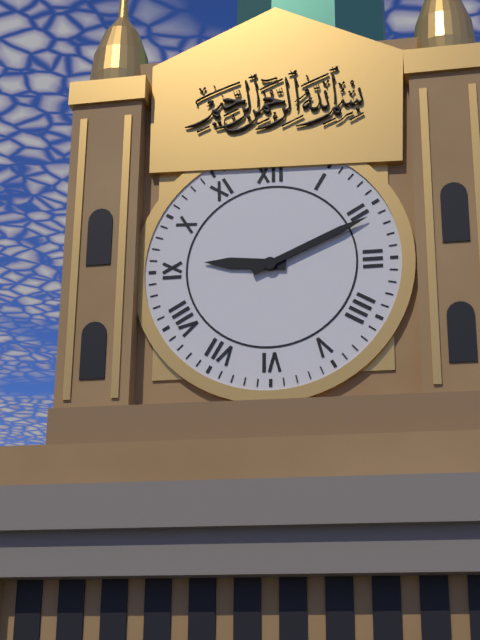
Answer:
**9:11**
